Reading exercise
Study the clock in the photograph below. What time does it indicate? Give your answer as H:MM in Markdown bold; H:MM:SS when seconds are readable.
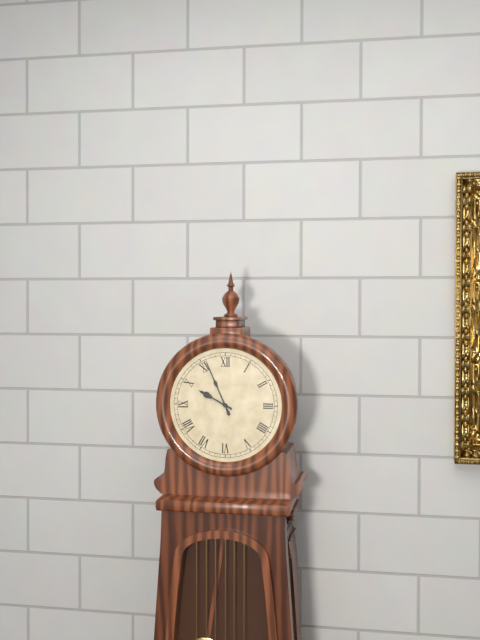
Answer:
**9:56**
